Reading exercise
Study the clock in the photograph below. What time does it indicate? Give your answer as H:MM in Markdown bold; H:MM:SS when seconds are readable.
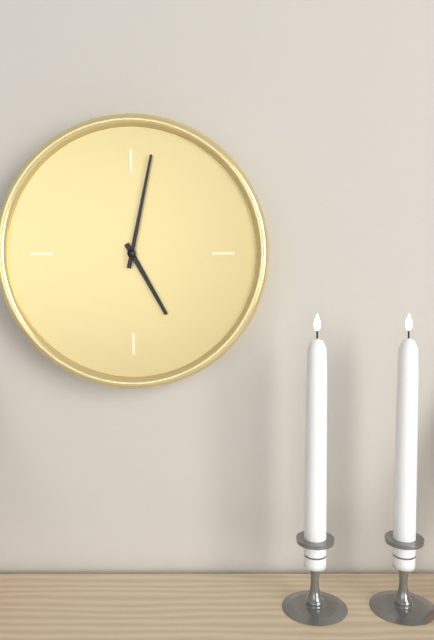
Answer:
**5:02**
